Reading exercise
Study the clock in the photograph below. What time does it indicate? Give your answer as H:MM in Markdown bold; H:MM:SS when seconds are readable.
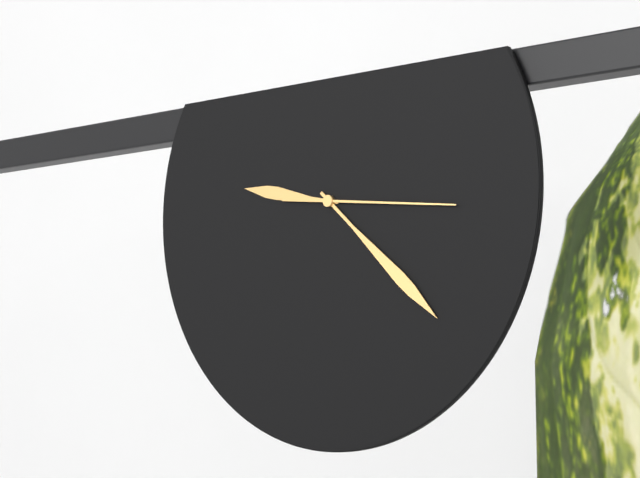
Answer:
**9:22:16**
